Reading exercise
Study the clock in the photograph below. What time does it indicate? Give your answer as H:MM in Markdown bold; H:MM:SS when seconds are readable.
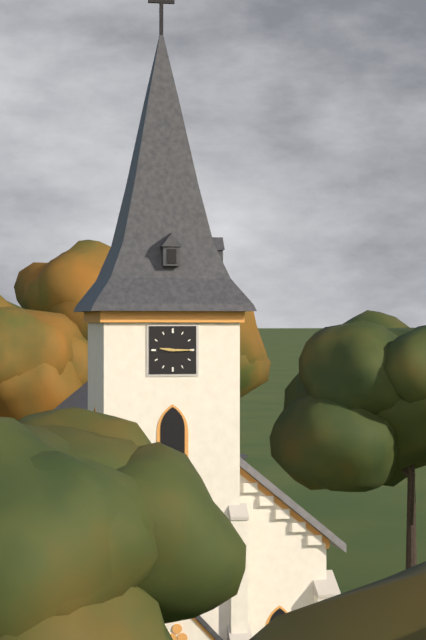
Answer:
**9:15**
